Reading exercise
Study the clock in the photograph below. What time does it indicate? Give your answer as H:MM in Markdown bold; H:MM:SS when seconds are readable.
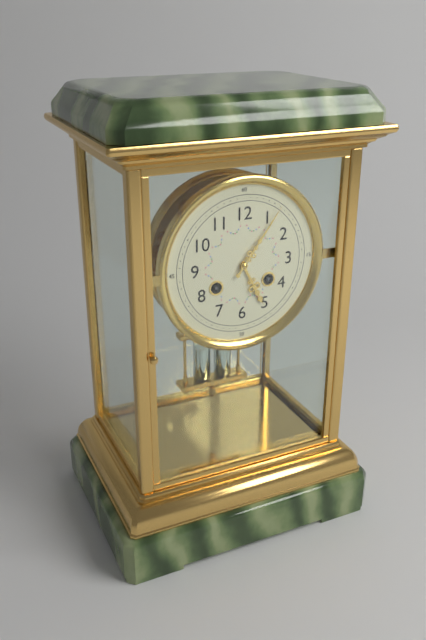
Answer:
**5:06**
